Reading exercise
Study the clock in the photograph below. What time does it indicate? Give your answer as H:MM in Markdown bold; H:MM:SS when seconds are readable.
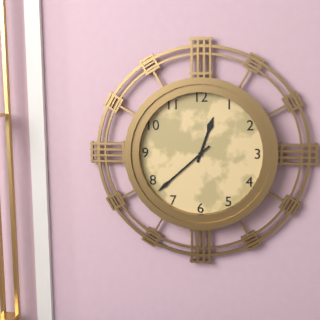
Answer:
**12:38**
